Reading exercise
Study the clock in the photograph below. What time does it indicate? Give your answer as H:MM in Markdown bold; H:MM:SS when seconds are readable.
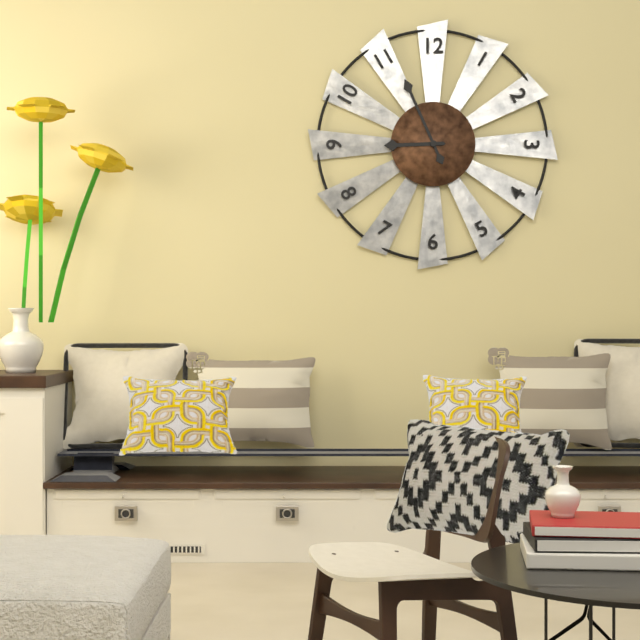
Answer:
**8:56**
